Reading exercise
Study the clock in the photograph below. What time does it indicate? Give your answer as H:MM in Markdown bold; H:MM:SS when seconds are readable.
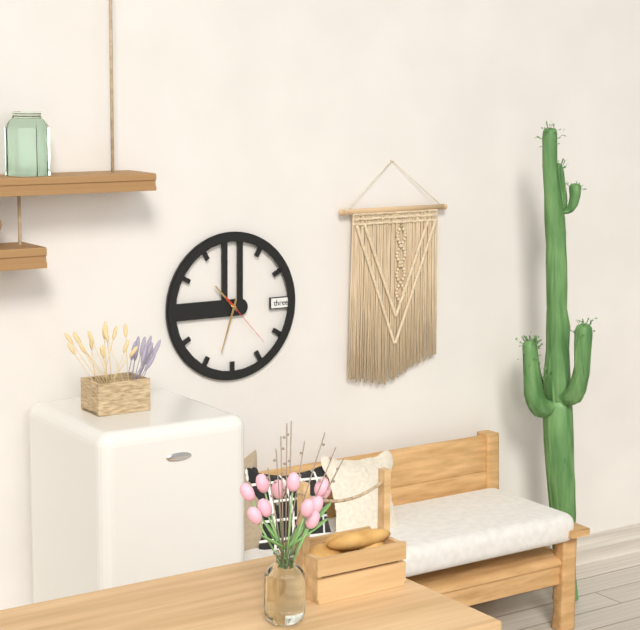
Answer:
**10:33:23**
